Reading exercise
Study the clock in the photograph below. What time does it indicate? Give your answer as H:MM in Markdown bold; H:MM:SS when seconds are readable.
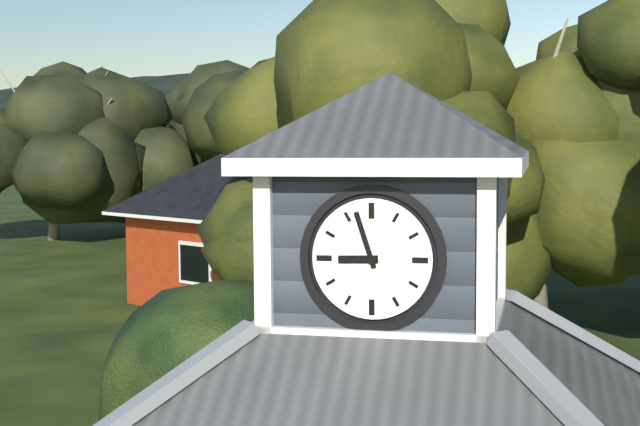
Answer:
**8:57**
